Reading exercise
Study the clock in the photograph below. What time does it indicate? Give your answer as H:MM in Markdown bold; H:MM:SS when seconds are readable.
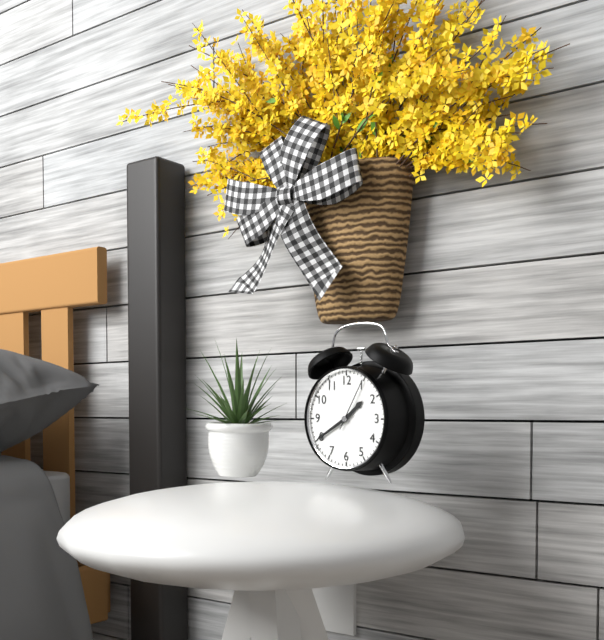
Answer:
**1:40:05**
